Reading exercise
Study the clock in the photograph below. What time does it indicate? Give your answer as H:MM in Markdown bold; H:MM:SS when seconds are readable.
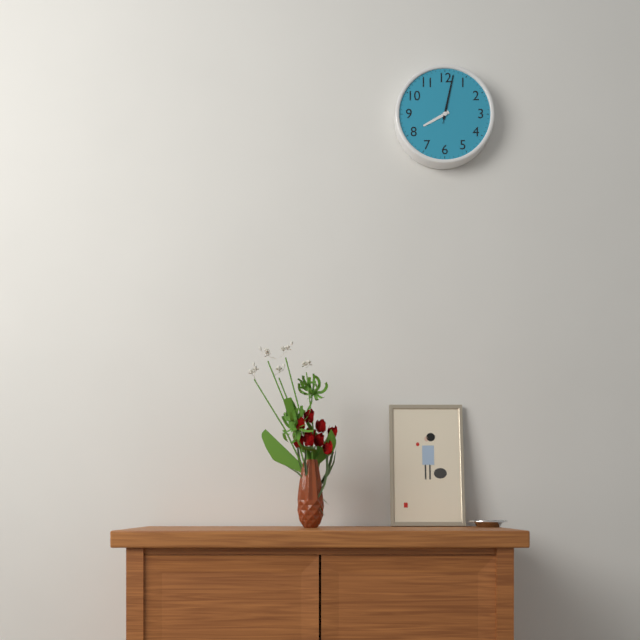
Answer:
**8:02:02**
